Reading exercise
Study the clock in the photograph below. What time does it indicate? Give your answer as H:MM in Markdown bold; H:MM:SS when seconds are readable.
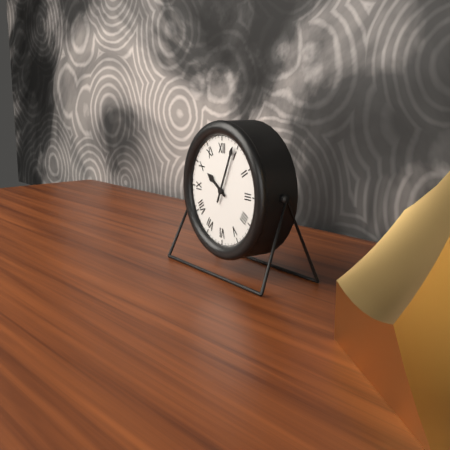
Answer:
**10:04**
